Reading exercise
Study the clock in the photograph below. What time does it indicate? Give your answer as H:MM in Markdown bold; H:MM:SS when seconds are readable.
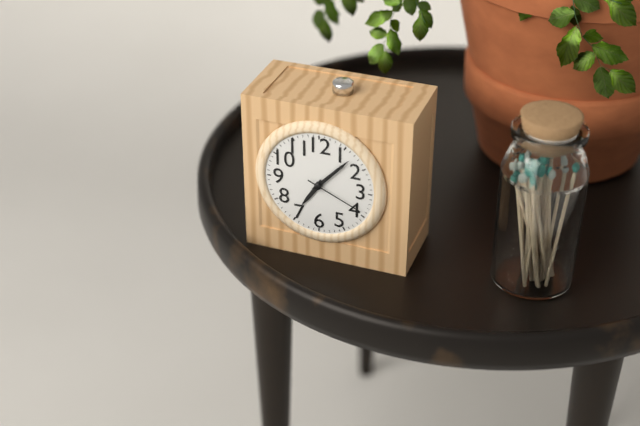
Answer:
**7:07:19**
